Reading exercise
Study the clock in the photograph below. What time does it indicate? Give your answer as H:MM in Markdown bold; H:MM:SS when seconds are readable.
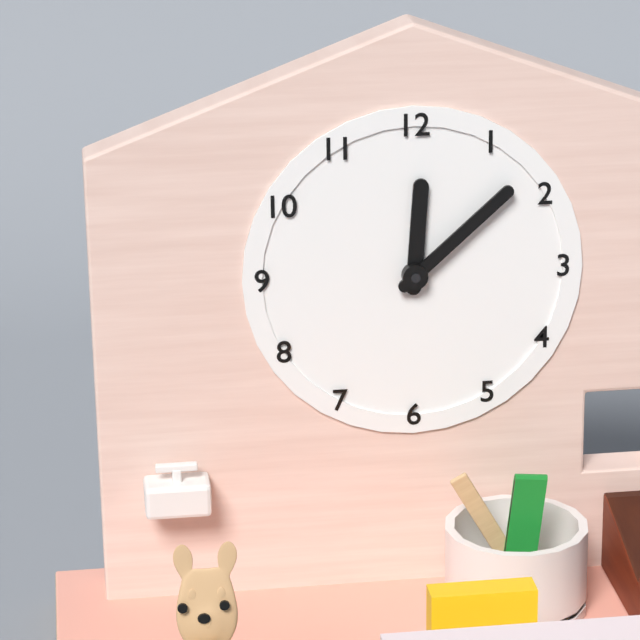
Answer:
**12:08**
